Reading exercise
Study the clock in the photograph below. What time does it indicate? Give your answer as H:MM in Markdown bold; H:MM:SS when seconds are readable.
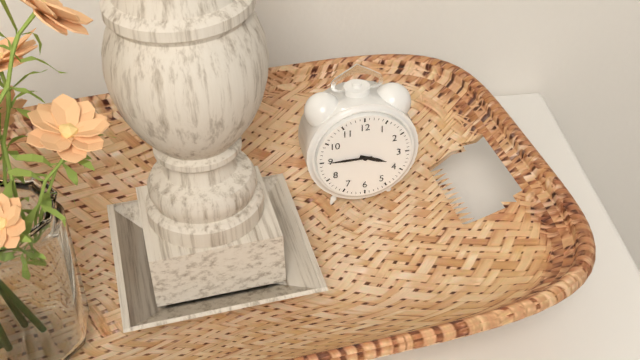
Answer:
**3:45**
